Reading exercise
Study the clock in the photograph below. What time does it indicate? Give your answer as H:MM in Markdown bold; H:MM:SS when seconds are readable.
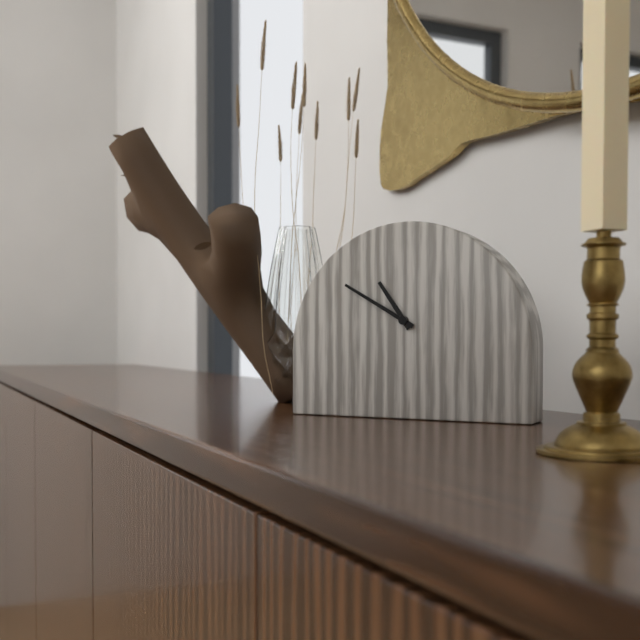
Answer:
**10:50**
